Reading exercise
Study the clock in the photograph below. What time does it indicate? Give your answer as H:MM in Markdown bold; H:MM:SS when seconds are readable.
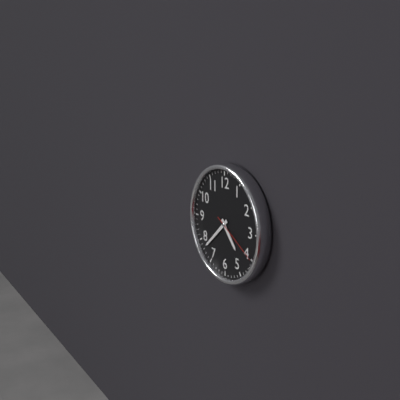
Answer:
**4:38:20**
